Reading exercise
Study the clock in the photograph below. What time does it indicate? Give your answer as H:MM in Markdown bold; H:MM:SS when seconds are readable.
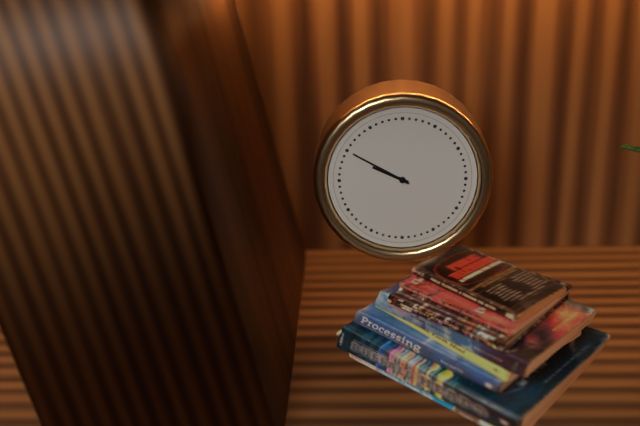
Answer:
**9:50**
